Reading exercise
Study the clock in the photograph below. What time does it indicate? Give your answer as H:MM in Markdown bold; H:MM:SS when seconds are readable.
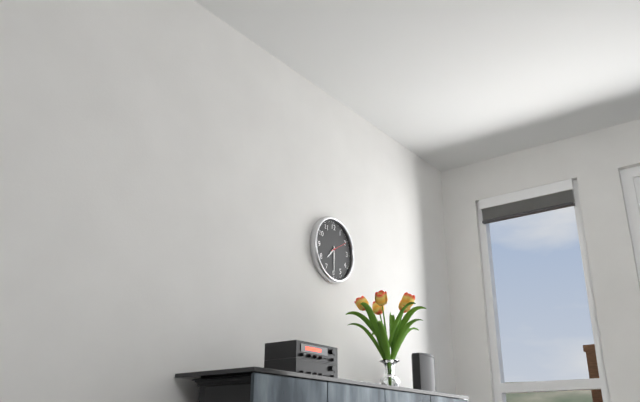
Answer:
**7:30**
